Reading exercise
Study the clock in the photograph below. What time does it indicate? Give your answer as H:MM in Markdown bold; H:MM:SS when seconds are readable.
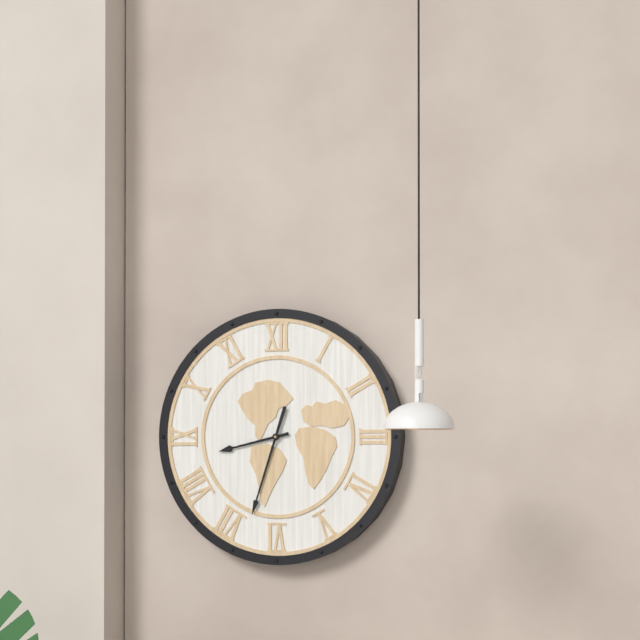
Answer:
**8:33**
